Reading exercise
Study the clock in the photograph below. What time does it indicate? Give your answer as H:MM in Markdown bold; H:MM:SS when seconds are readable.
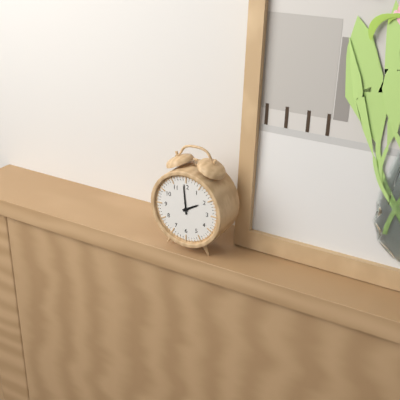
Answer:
**1:59**
